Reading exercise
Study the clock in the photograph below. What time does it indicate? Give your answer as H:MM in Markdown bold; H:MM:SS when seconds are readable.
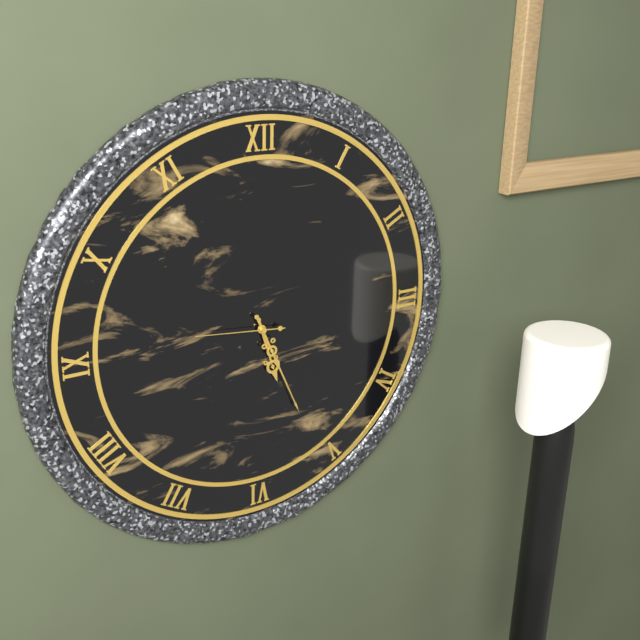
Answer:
**5:26:46**
